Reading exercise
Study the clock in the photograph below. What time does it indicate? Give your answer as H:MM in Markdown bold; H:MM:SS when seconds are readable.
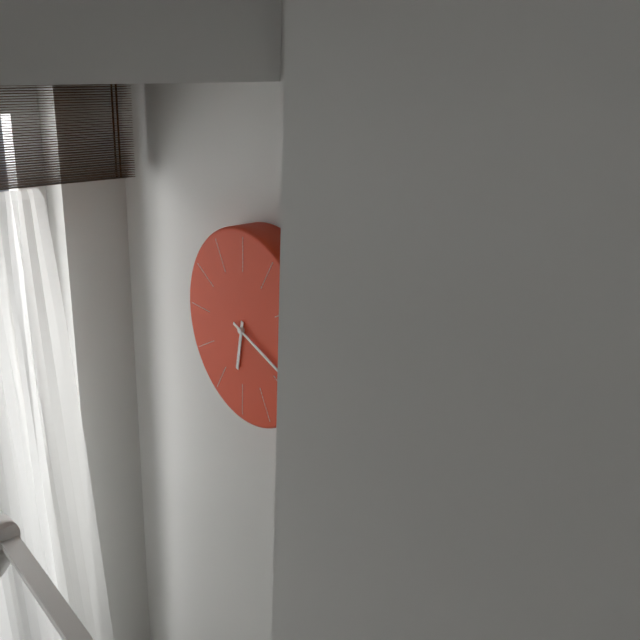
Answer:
**6:18**
